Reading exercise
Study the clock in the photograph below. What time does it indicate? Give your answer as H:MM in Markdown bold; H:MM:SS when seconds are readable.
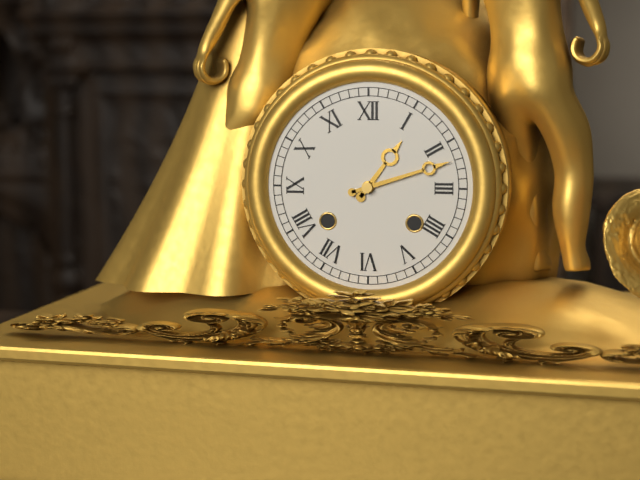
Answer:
**1:12**
